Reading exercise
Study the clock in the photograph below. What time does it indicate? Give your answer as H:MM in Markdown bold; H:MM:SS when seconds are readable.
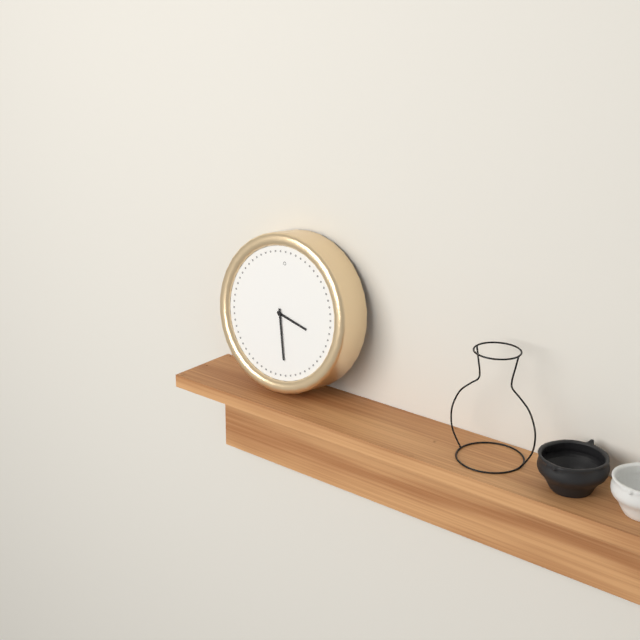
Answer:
**3:28**
